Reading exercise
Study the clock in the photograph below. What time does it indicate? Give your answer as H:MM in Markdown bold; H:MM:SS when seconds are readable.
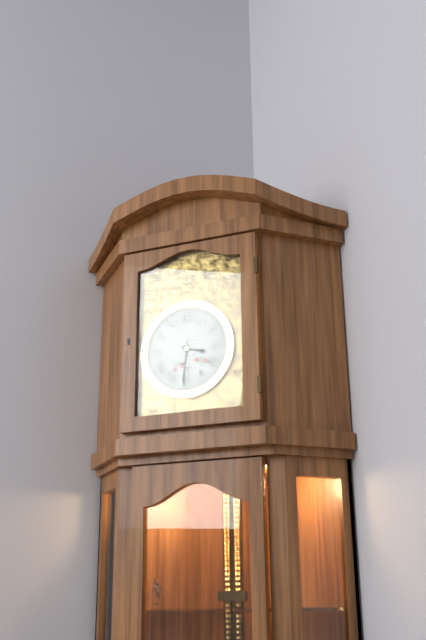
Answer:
**3:31**
